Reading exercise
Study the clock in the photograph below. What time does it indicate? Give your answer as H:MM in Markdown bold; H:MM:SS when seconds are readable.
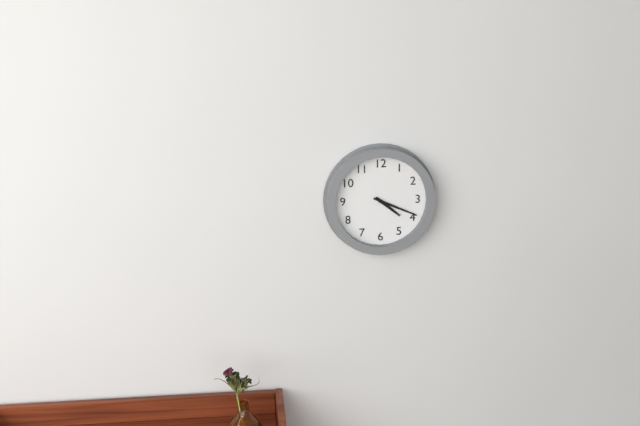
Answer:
**4:19**
